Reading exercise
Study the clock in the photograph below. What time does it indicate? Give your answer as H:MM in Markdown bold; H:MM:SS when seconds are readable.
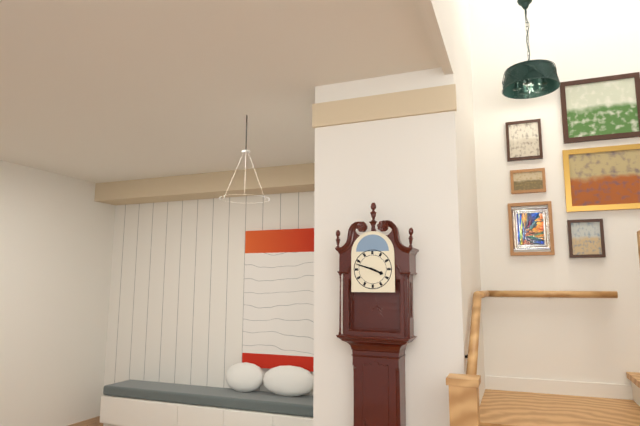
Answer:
**3:48**
